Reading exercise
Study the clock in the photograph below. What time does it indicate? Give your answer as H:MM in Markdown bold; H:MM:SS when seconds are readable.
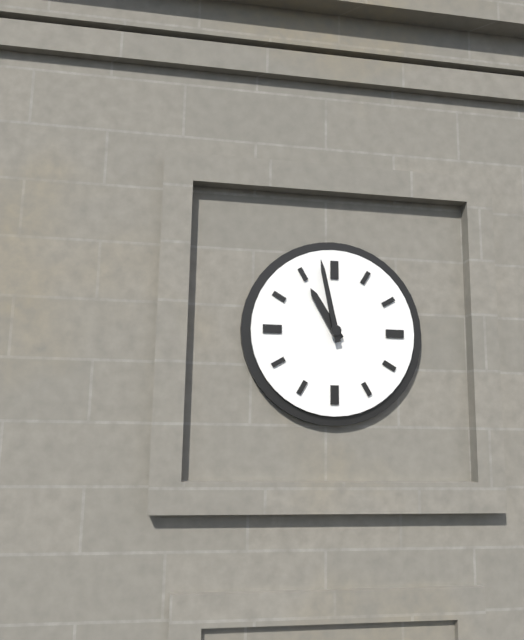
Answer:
**10:58**
